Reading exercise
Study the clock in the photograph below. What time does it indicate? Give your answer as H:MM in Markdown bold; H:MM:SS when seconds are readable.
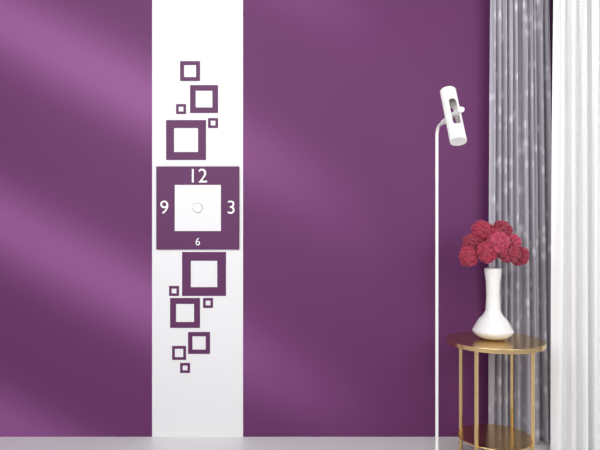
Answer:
**9:20**
